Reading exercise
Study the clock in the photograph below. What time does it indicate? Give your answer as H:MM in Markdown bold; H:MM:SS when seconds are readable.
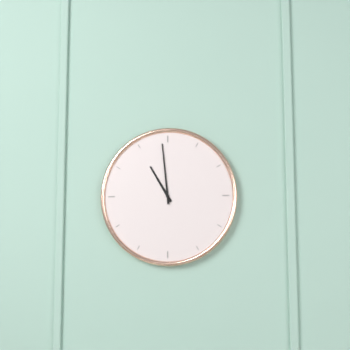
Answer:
**10:59**
